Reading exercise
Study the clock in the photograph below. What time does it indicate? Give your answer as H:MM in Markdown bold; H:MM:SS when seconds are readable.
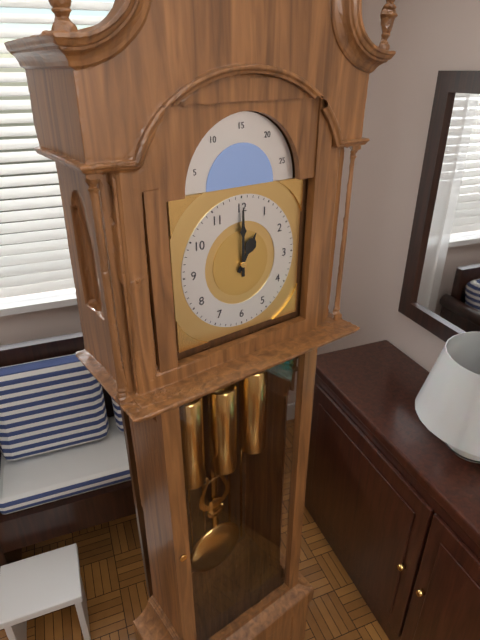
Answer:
**1:00**
